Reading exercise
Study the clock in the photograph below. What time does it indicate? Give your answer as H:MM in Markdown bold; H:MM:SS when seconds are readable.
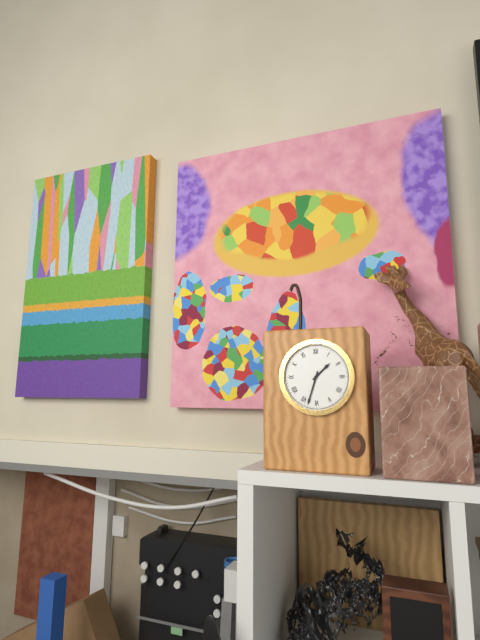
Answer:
**1:33**
